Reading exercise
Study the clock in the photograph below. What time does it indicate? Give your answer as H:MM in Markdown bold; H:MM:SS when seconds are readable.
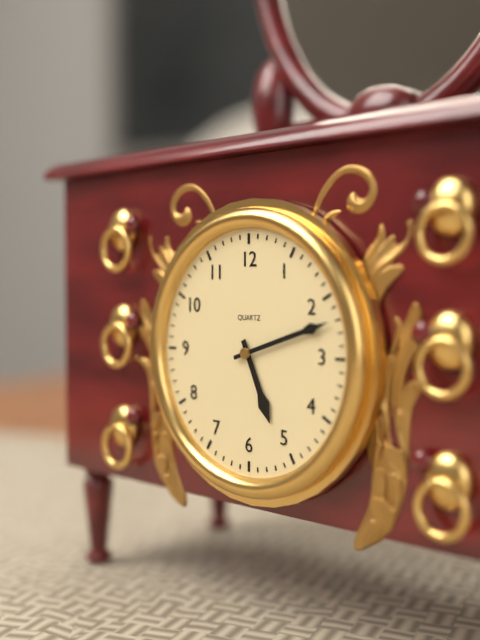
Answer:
**5:12**
